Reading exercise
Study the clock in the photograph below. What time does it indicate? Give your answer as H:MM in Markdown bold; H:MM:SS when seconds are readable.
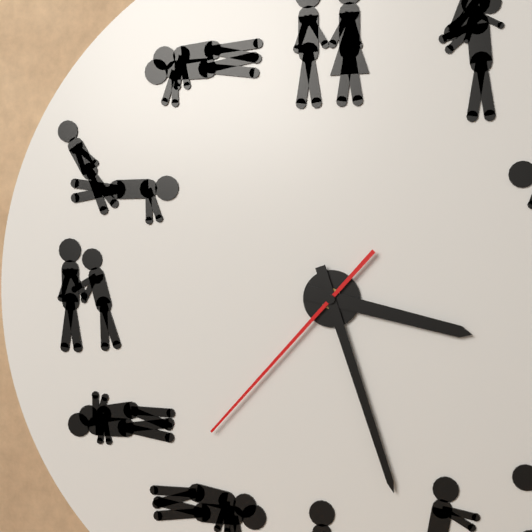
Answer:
**3:27:37**
